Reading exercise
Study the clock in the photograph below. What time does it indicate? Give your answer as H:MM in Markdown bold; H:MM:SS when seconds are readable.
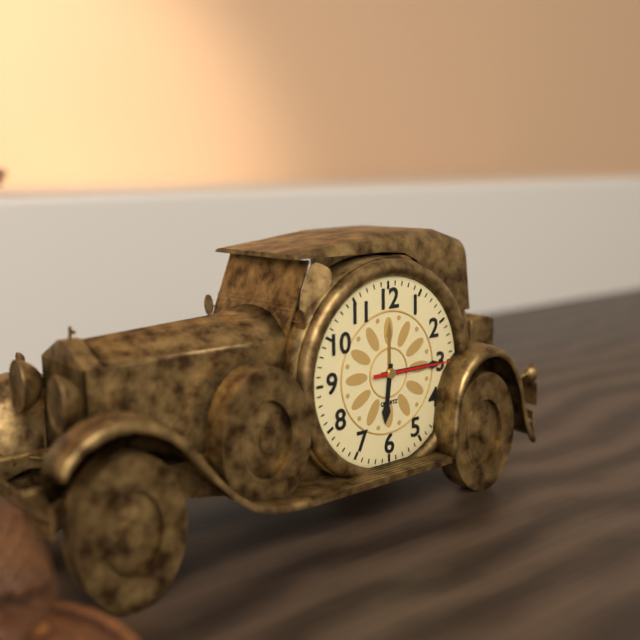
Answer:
**6:15:15**
